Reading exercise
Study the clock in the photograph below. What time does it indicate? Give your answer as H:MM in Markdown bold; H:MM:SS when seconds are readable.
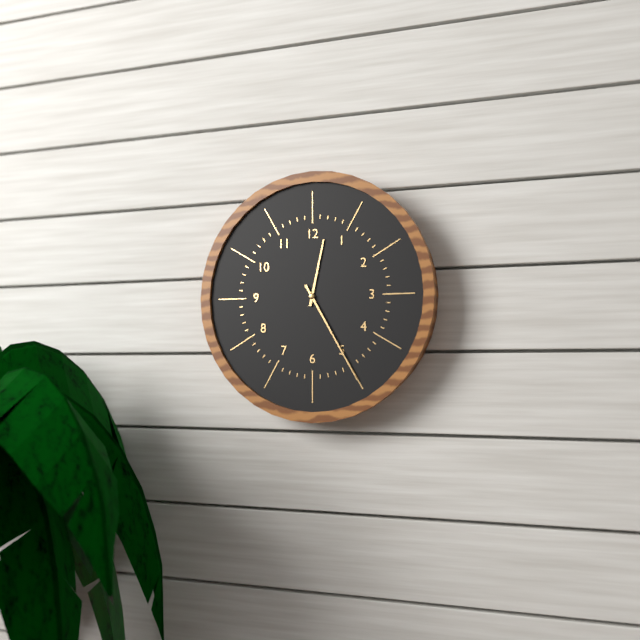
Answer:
**12:25**
